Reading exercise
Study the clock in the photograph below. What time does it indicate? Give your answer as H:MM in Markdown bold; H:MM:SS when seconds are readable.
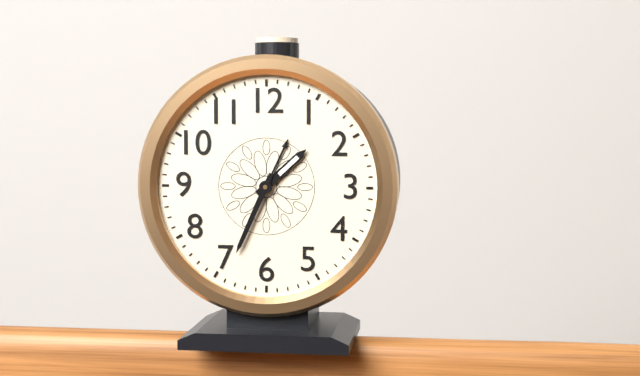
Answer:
**1:34**
